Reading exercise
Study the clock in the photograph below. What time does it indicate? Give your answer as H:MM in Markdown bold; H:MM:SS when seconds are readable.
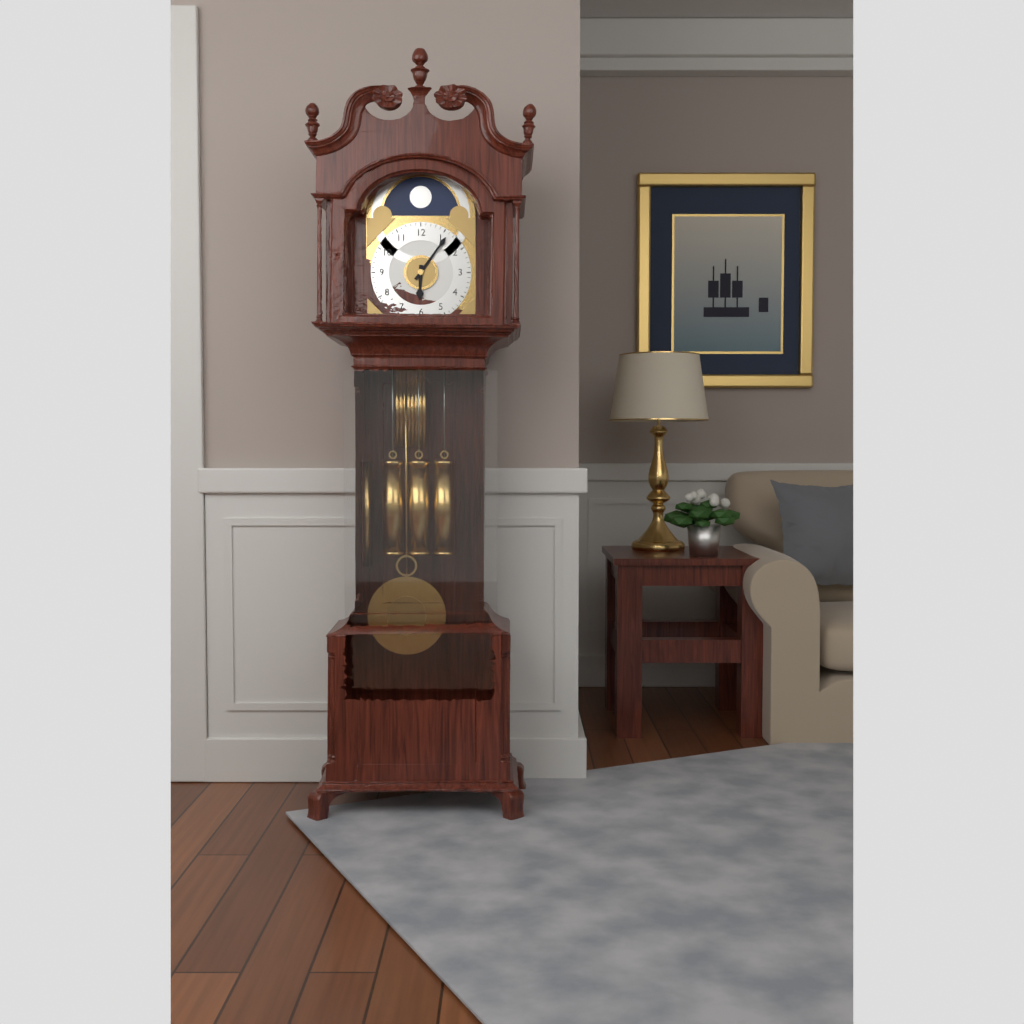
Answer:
**6:06**
